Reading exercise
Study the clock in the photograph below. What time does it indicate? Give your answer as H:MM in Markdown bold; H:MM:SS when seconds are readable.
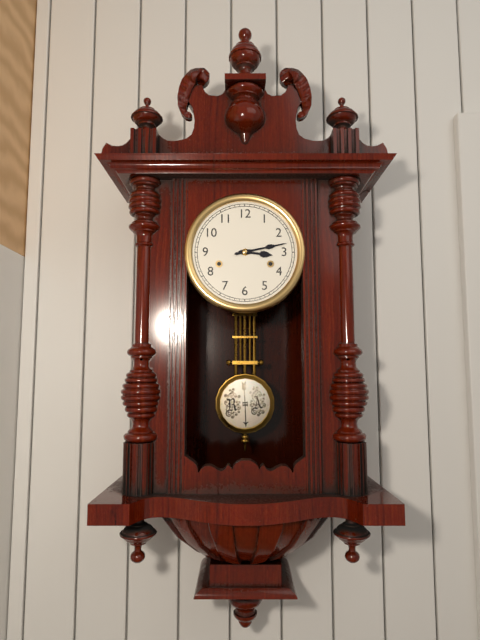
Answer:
**3:13**
